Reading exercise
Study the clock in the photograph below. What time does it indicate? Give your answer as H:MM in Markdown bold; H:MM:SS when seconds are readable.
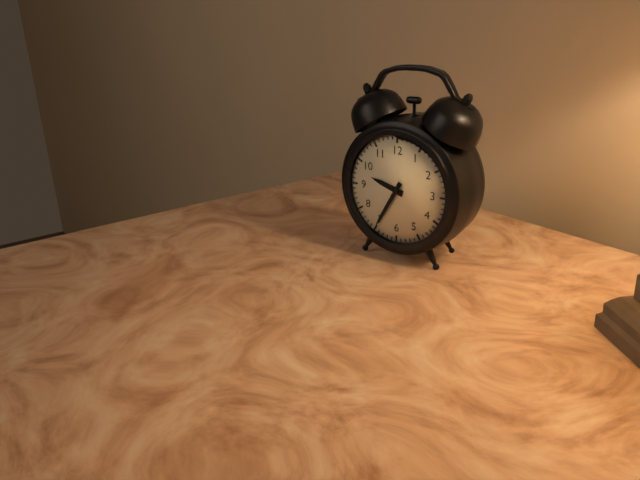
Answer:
**9:35**
